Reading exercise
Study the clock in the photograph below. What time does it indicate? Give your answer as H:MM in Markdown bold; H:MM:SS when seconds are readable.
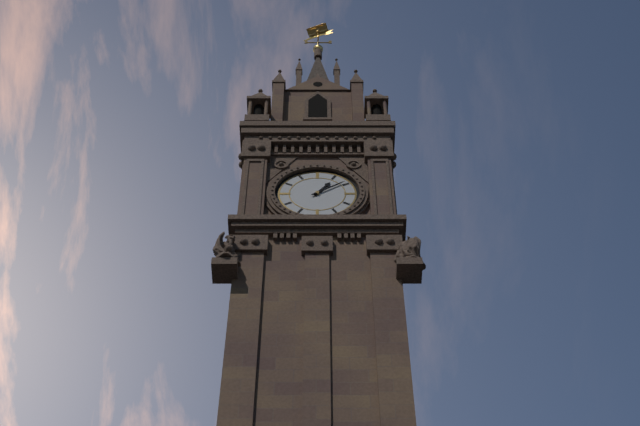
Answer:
**1:09**
